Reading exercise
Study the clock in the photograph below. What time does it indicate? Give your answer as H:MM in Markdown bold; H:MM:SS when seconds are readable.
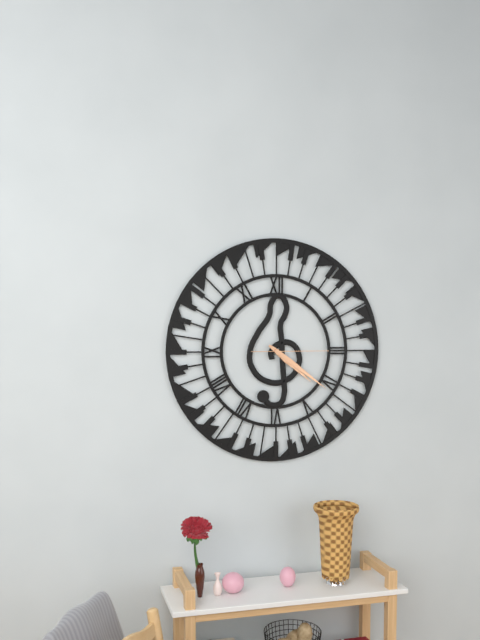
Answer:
**4:21:15**
